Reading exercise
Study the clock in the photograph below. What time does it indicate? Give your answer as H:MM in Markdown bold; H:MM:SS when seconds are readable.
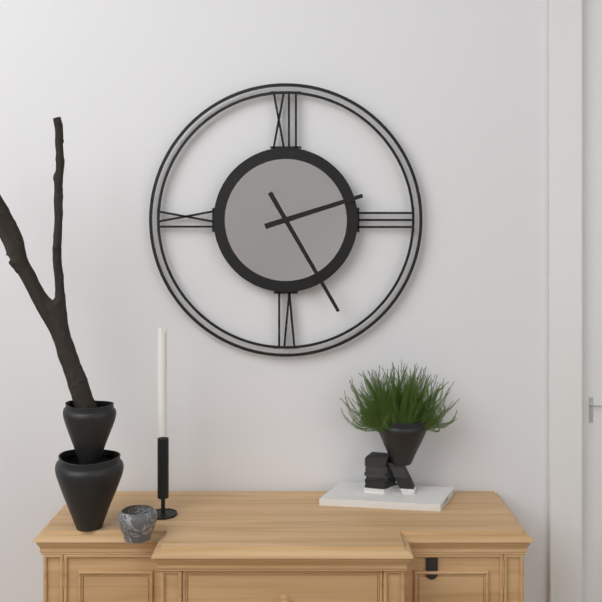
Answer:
**2:25**
